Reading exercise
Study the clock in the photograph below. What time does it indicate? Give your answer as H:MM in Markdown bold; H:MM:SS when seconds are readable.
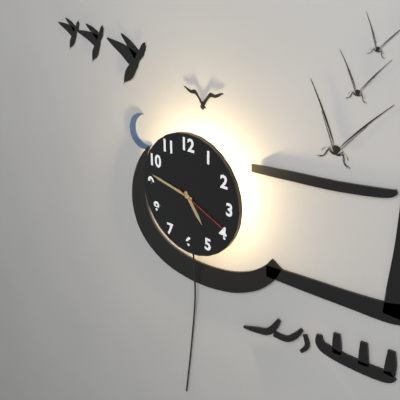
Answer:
**4:47:19**
